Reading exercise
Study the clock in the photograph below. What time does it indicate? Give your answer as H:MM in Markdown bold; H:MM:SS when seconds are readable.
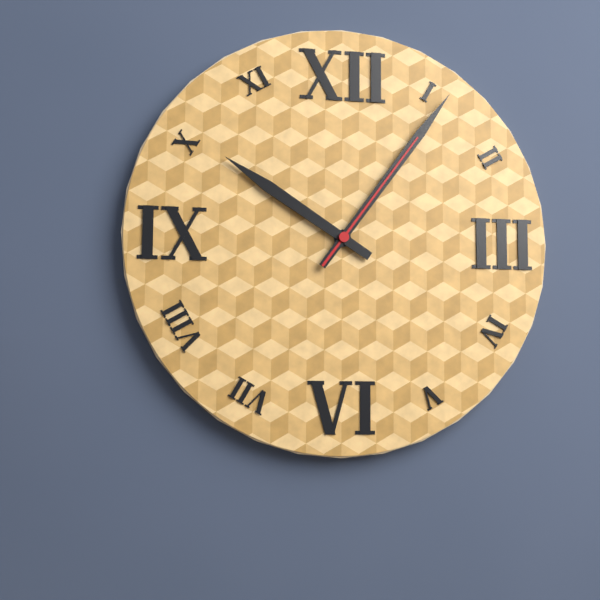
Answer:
**10:06:06**
